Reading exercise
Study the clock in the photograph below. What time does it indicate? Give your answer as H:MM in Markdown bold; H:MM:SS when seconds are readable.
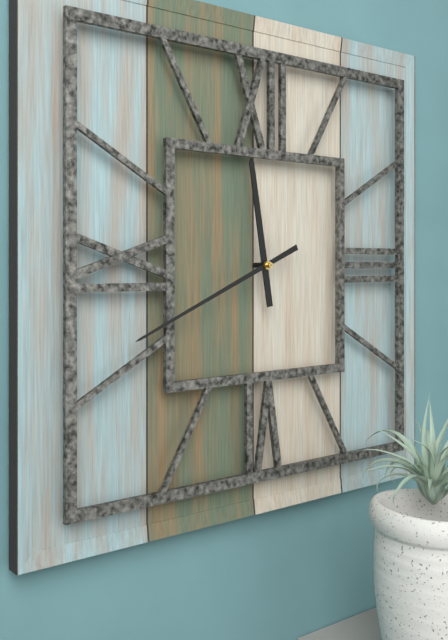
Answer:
**11:41**
